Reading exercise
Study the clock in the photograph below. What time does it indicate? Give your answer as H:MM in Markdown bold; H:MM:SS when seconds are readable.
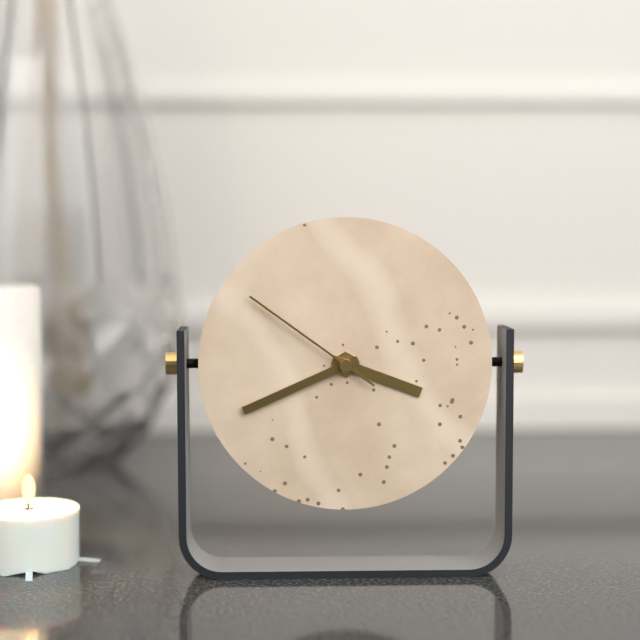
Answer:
**3:41:51**
